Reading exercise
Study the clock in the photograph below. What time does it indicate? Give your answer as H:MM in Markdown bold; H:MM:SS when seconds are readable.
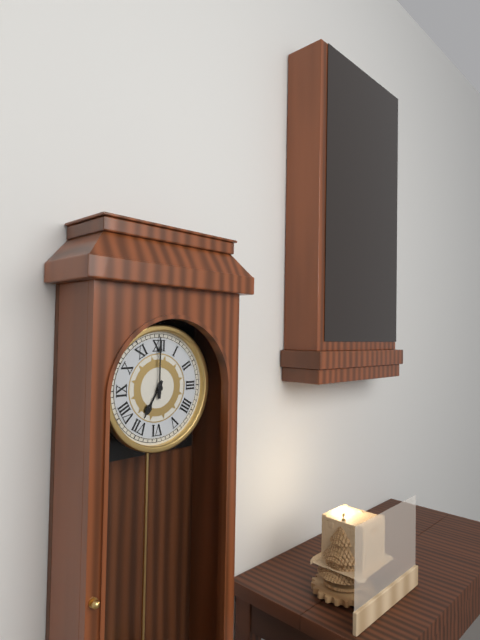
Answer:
**7:00**
